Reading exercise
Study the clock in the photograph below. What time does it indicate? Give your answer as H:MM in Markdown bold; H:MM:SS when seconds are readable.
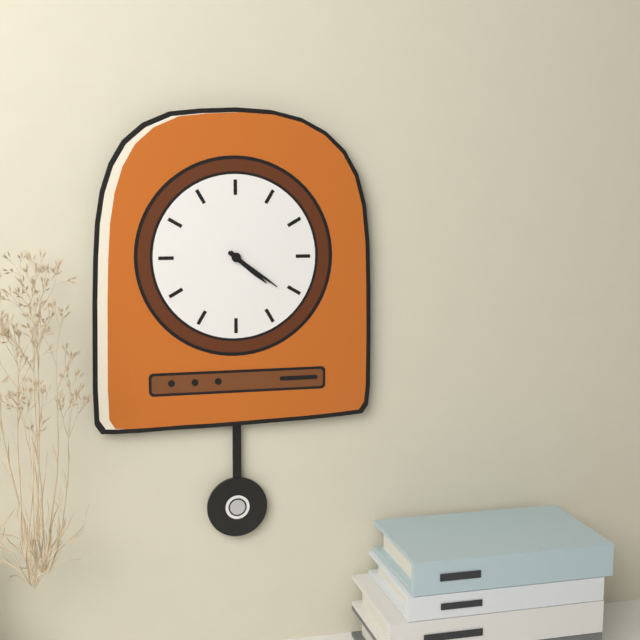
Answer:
**4:21**
